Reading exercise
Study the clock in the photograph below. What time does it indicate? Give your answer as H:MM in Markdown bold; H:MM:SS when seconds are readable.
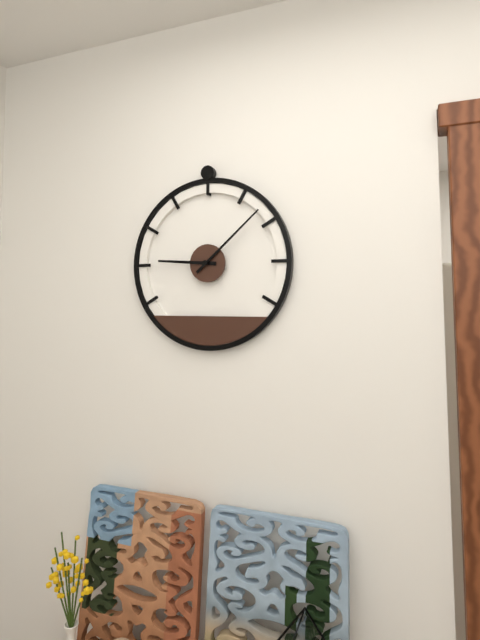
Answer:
**9:08**
